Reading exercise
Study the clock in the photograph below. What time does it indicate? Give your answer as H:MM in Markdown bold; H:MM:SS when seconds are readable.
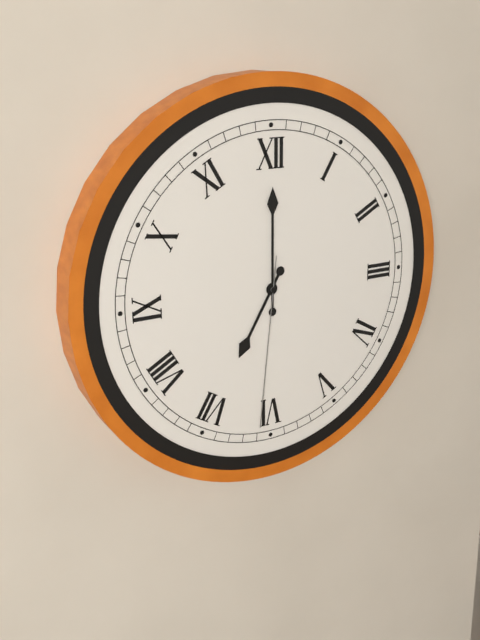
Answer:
**7:00:31**
